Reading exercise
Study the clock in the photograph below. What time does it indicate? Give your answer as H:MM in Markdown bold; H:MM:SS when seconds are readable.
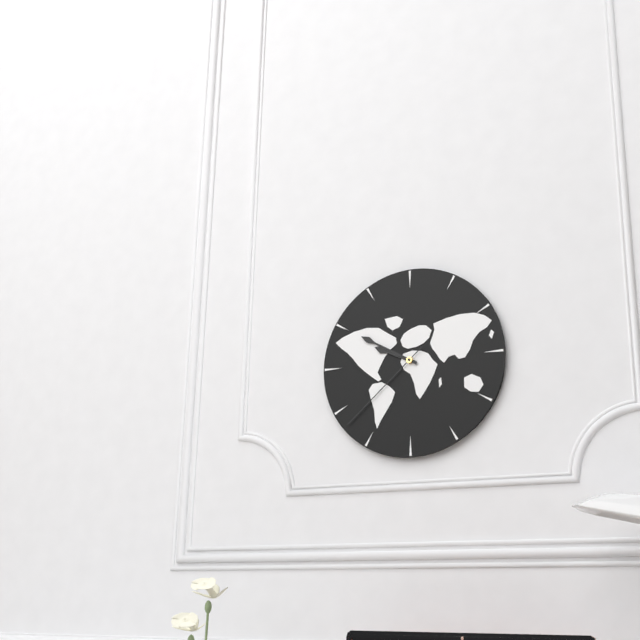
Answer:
**9:50:38**
